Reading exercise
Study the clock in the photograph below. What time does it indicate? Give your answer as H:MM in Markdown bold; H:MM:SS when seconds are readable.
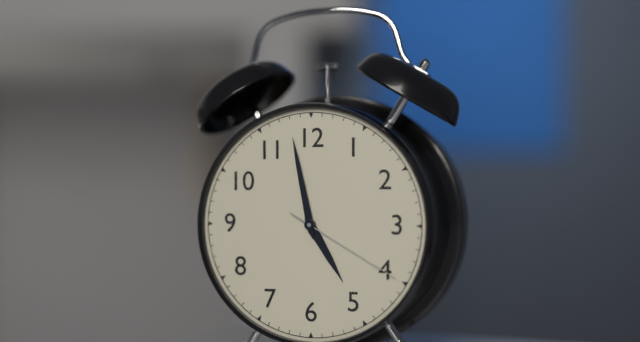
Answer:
**4:58:20**
